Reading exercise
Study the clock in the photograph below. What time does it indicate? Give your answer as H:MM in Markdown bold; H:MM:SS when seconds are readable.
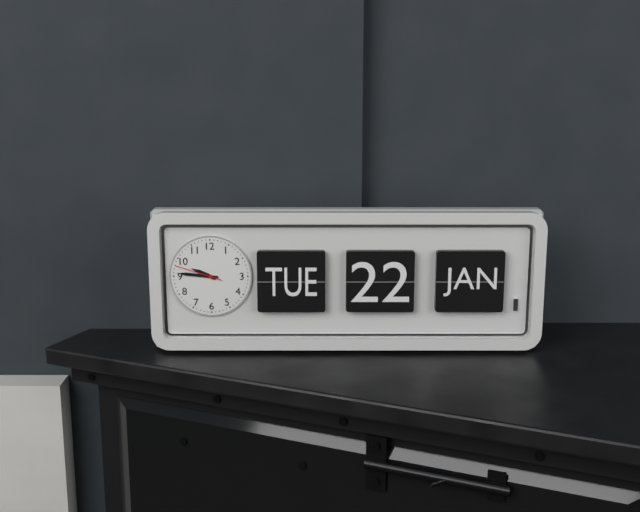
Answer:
**9:46**
